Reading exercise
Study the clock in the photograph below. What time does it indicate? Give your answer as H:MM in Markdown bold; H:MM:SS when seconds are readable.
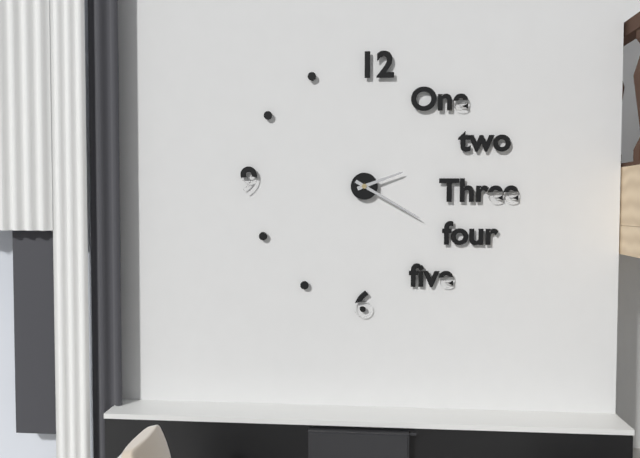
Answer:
**2:20**
